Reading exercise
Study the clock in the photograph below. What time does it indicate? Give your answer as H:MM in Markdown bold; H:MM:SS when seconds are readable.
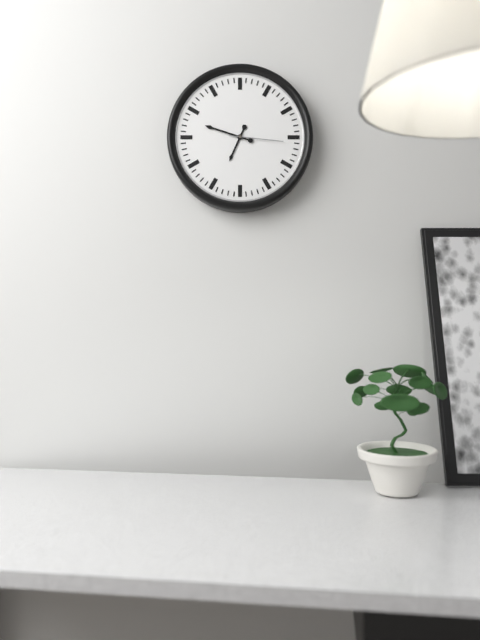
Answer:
**6:48:16**
